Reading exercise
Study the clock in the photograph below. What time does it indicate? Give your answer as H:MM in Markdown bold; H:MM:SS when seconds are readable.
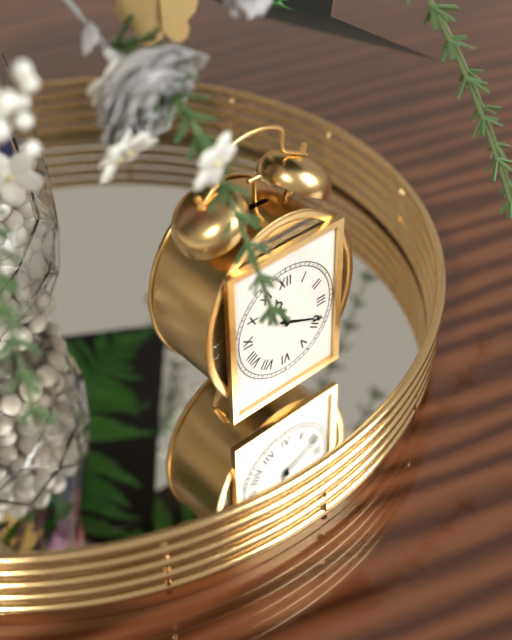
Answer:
**11:19**
